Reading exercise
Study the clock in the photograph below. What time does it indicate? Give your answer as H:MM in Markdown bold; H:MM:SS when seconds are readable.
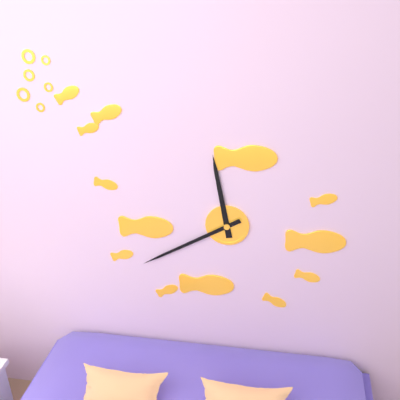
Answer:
**11:40**
